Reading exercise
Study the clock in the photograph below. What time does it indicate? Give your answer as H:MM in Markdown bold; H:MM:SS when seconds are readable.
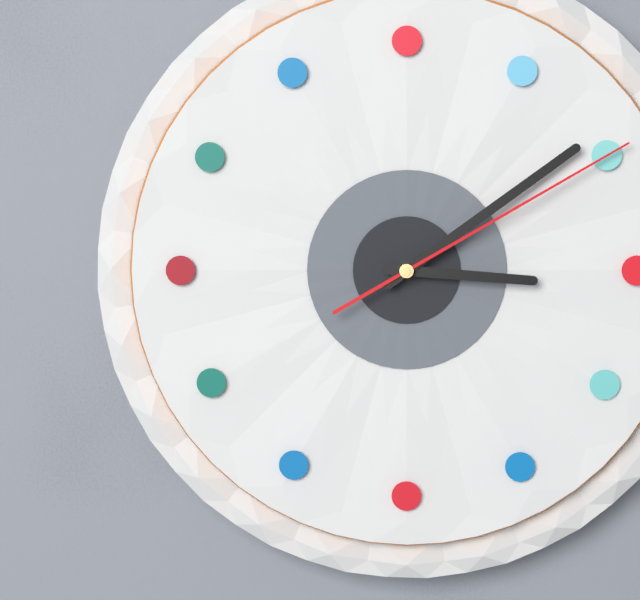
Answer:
**3:09:10**
